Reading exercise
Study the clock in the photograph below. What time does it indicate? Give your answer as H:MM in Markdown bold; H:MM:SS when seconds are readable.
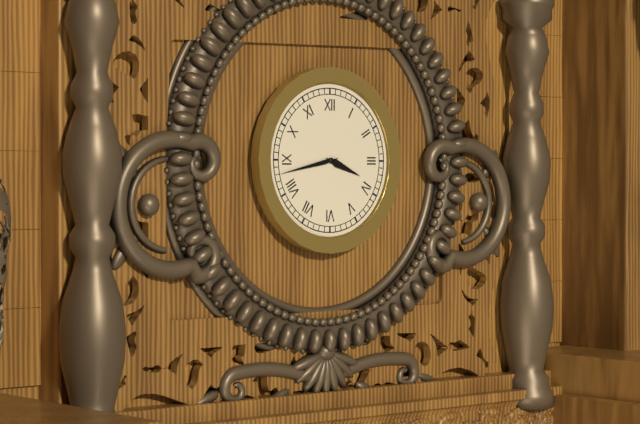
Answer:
**3:43**
